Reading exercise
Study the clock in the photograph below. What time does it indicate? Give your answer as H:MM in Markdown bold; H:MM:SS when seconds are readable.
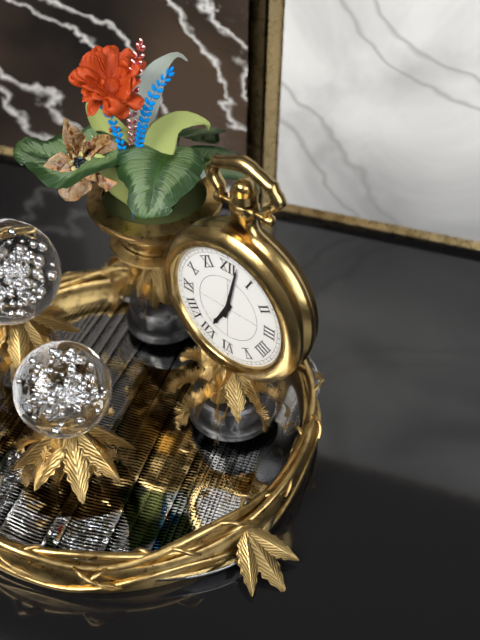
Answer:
**7:02**
